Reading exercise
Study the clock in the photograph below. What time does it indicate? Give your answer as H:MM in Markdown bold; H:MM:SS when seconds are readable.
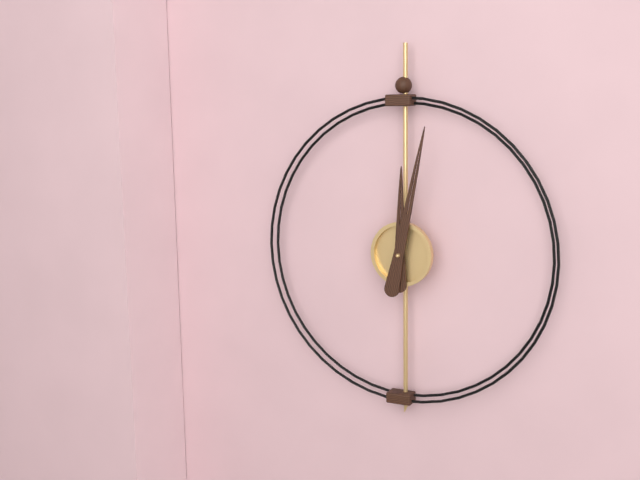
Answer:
**12:02**
